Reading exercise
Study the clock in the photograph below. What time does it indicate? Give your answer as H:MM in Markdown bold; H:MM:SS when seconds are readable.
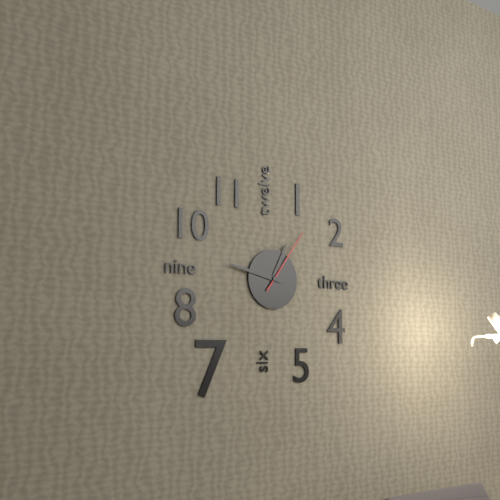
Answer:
**12:47:06**
